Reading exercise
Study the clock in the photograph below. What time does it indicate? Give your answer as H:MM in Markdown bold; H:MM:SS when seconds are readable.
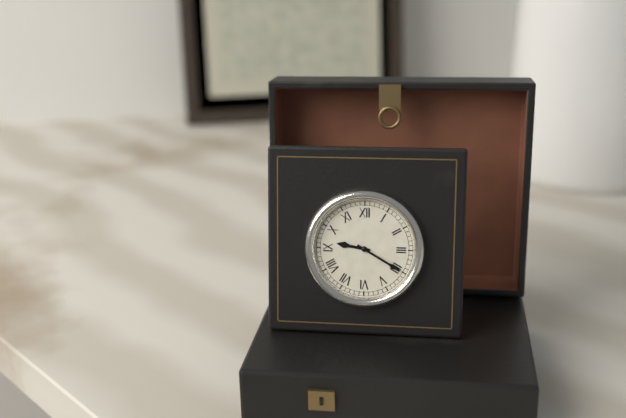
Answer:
**9:20**
